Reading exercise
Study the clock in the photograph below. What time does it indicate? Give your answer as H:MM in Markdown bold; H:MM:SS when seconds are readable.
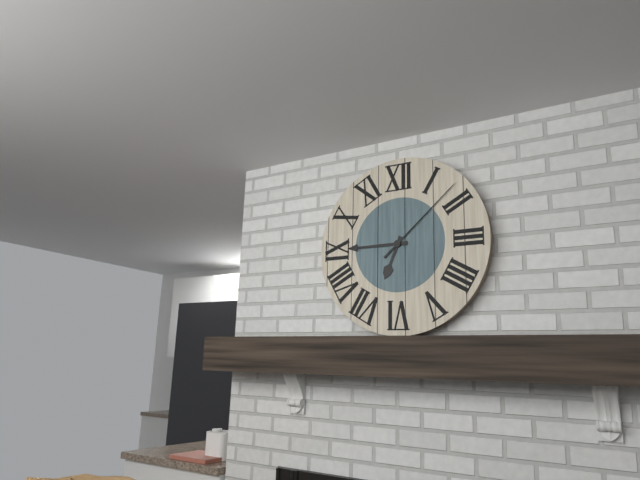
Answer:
**6:45:08**
